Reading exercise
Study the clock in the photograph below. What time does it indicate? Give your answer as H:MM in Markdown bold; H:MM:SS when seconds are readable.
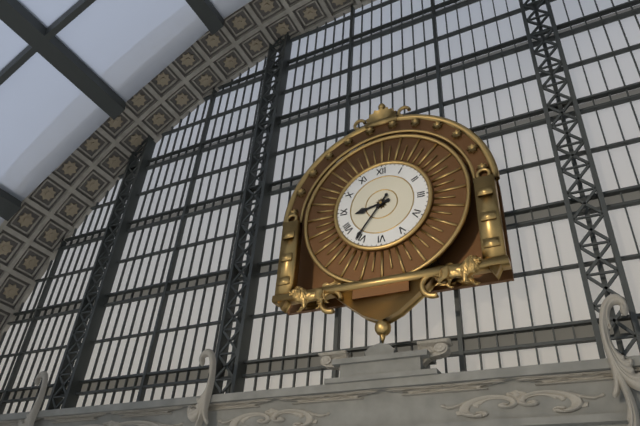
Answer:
**8:36**
